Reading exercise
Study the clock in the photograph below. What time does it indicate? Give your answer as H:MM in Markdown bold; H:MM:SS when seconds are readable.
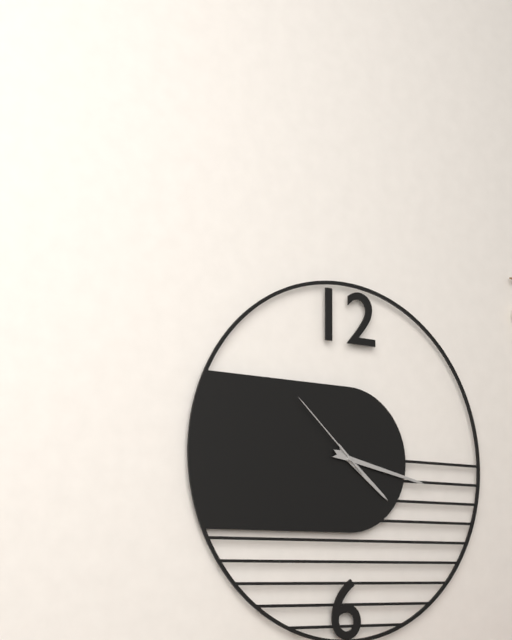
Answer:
**4:17:52**
